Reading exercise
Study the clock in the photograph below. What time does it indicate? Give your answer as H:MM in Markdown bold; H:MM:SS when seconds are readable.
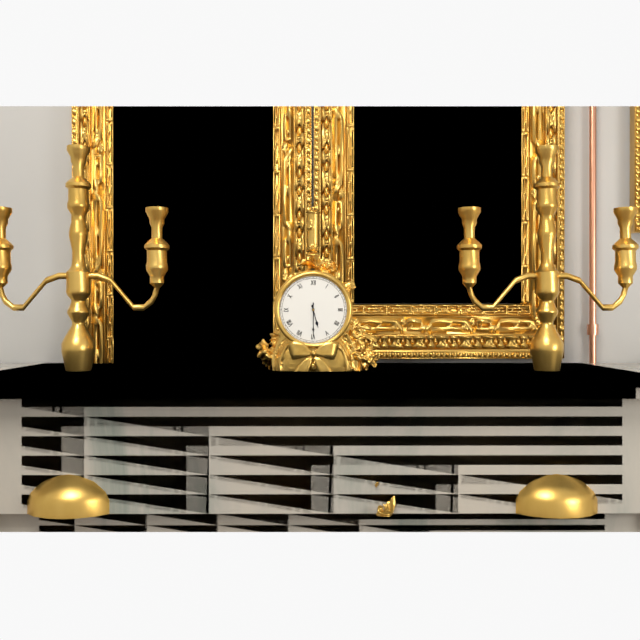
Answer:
**5:30**
